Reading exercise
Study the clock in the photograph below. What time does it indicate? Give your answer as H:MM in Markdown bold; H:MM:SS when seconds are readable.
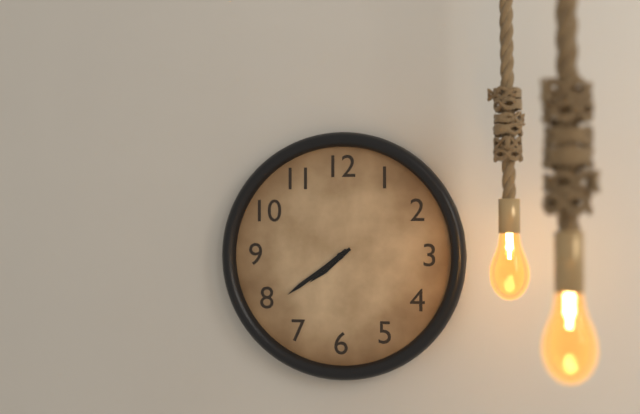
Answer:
**7:39**
